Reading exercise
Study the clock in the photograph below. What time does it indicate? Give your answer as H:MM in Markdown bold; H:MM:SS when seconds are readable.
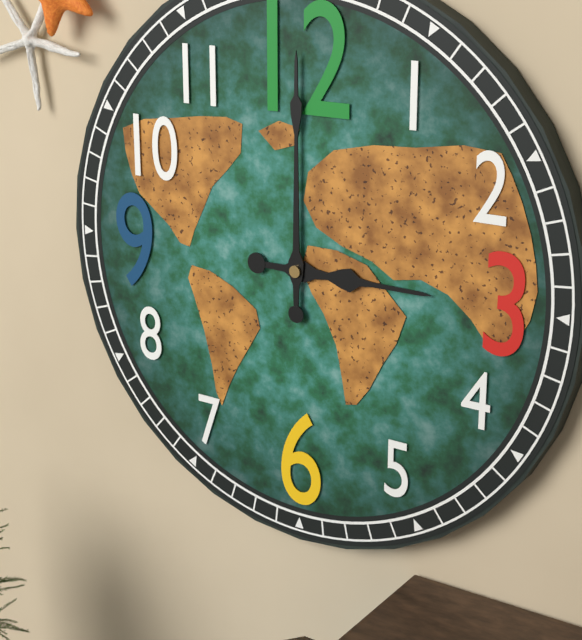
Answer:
**3:00**
